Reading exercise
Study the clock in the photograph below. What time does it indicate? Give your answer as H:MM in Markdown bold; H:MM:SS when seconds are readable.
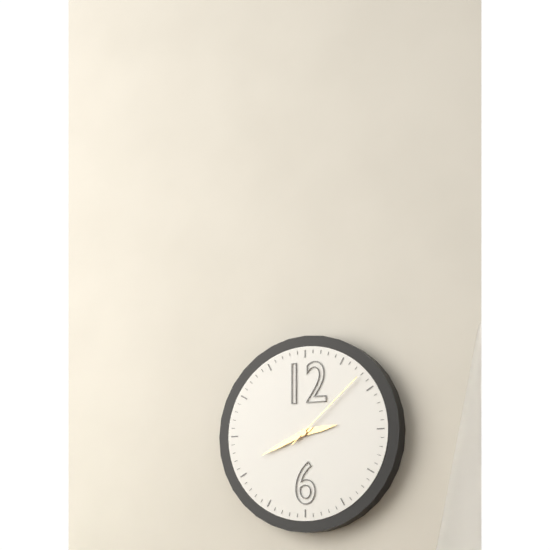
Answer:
**2:41:08**
